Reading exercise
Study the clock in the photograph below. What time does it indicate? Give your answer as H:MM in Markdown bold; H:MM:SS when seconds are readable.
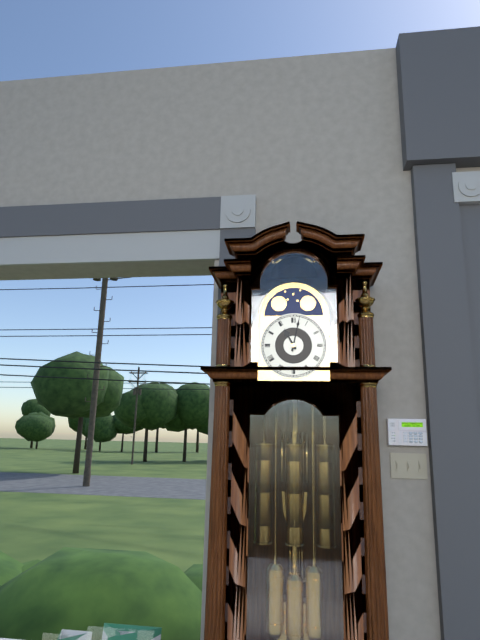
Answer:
**11:02**
